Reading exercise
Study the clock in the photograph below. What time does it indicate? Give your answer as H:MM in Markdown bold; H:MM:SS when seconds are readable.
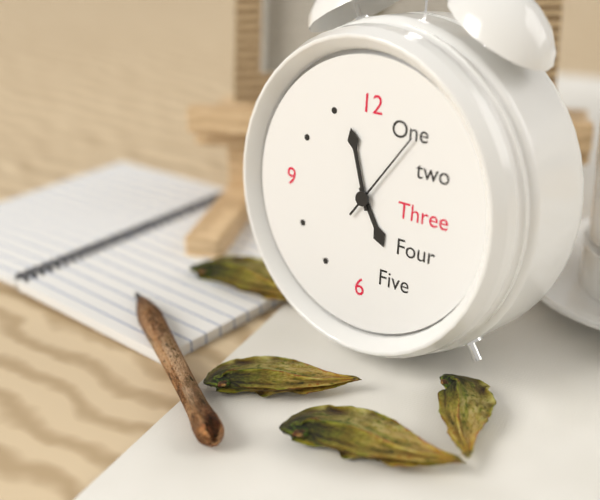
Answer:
**4:57:06**
